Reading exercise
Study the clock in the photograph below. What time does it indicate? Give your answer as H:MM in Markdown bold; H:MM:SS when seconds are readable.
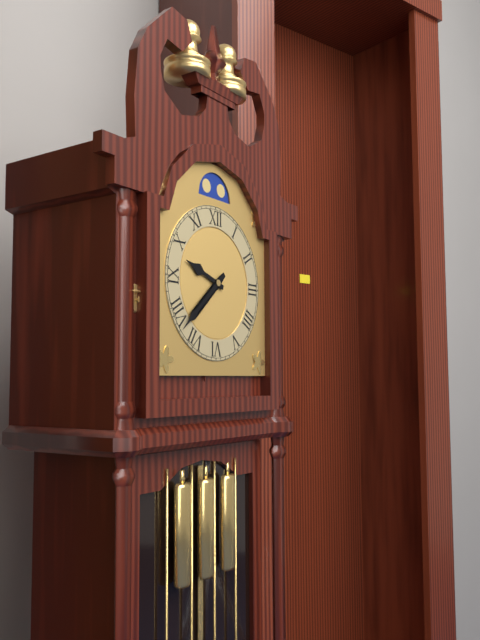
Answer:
**9:38**
